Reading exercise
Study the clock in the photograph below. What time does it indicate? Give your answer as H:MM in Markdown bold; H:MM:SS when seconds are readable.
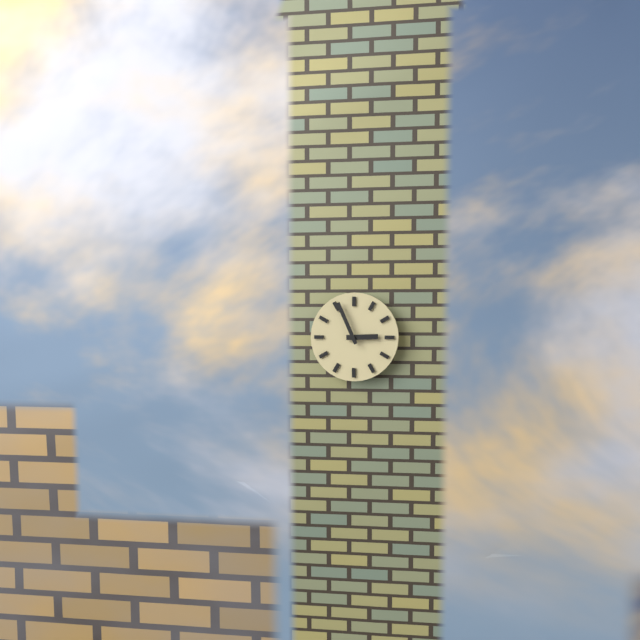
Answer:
**2:56**
